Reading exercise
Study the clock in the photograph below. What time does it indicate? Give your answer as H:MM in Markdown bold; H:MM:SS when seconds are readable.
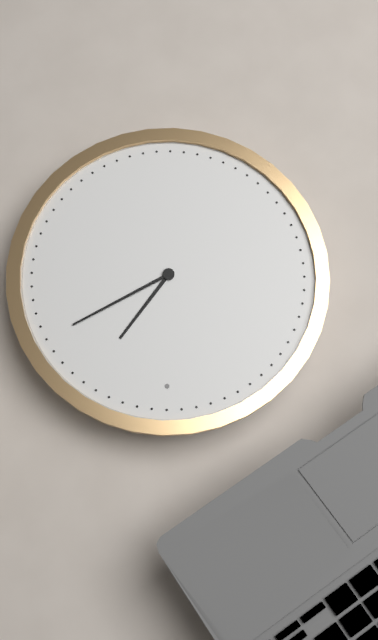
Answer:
**1:10**
